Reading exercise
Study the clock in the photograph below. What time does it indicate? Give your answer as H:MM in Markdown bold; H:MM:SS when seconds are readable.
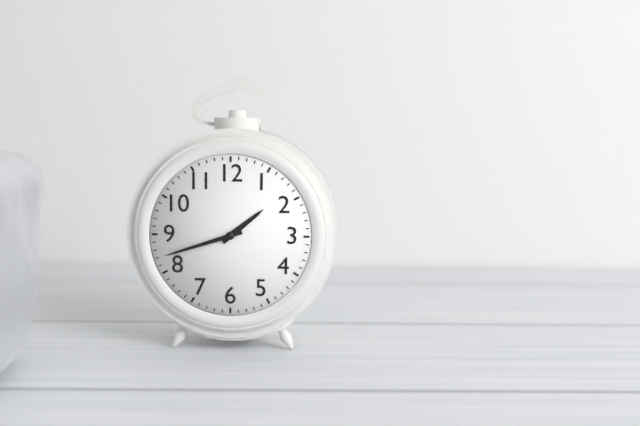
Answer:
**1:42**
